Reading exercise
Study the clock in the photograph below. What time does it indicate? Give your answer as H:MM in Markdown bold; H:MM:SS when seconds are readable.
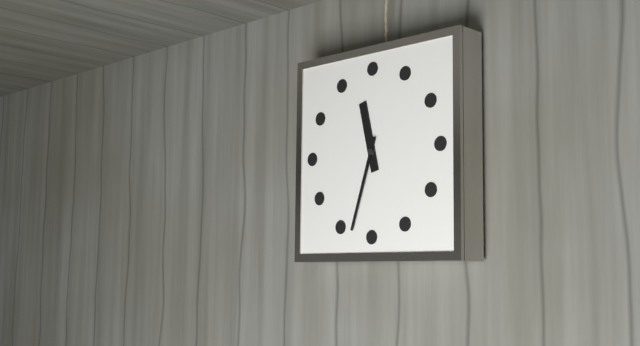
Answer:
**11:33**
